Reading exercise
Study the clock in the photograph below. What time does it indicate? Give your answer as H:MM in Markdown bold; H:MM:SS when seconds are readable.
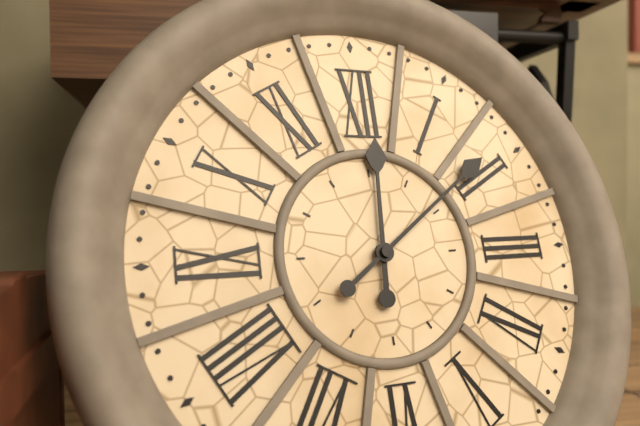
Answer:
**12:09**
